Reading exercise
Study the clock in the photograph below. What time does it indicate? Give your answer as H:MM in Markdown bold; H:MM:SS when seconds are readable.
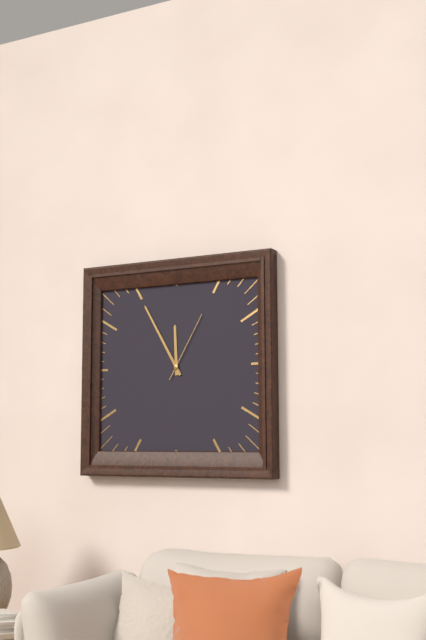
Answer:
**11:55:05**
